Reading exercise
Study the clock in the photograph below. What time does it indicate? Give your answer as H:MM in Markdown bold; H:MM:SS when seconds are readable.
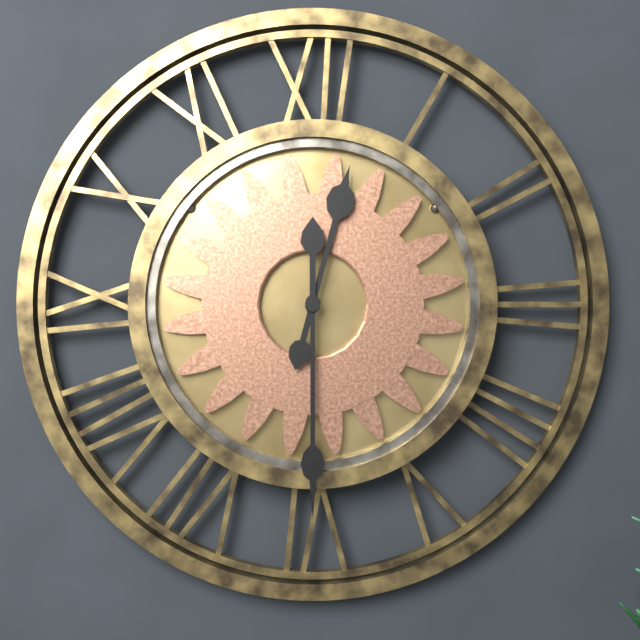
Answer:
**12:30**
